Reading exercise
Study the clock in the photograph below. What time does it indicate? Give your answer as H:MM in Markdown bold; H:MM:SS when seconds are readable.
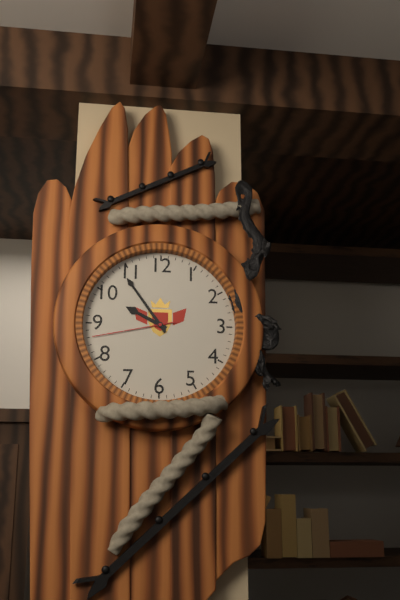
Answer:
**9:54:43**
